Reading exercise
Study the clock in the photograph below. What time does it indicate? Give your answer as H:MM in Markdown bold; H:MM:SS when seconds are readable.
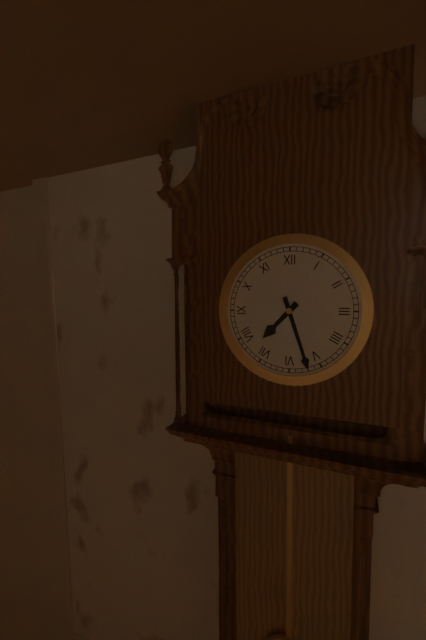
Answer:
**7:27**
